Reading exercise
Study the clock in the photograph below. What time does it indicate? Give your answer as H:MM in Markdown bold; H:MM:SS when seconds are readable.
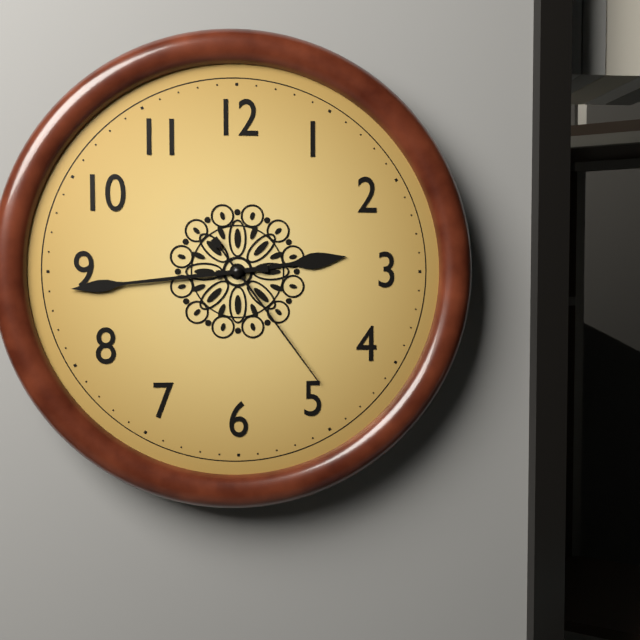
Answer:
**2:44:24**
